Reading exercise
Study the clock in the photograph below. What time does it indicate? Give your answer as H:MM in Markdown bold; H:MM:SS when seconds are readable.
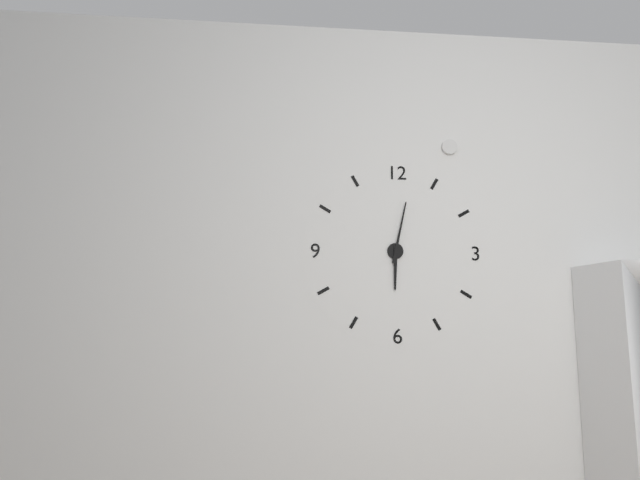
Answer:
**6:02**
